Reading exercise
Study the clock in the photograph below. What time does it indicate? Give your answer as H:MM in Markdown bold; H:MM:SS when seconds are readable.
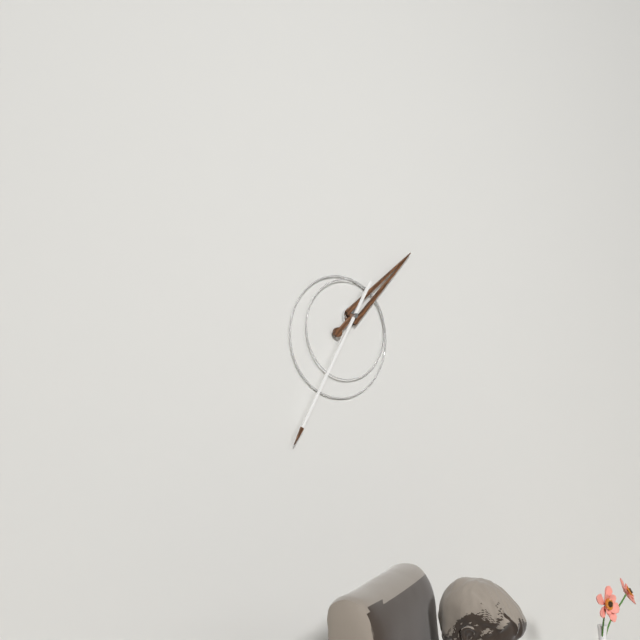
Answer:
**1:35**
